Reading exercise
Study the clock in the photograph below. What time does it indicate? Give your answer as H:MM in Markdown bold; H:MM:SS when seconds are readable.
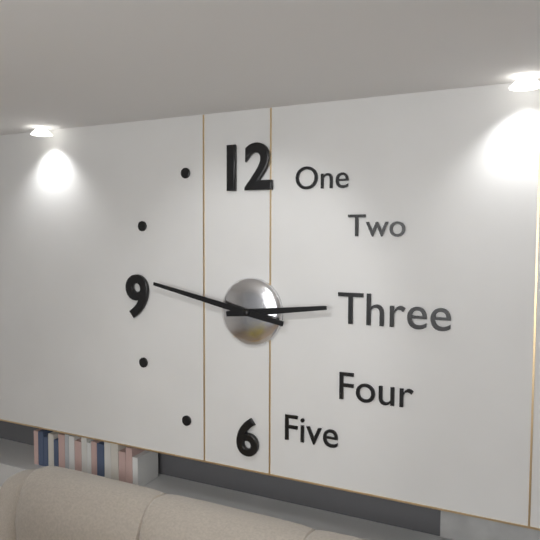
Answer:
**2:47**
